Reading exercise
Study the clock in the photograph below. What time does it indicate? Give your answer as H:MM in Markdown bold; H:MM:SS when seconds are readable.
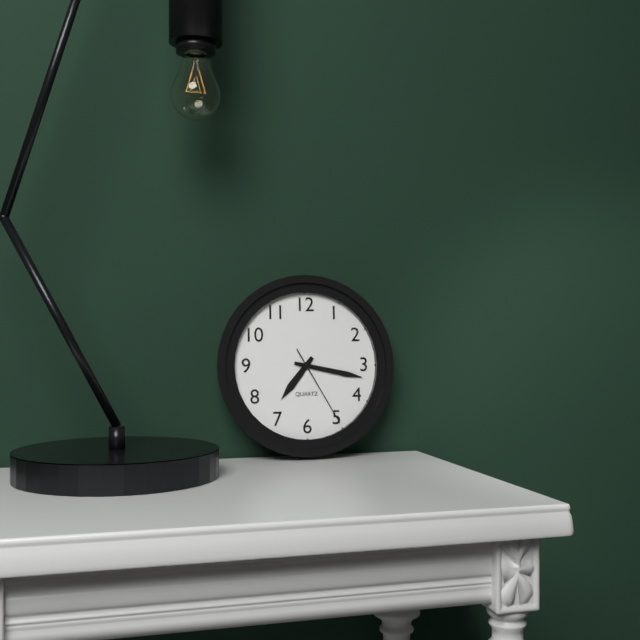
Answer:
**7:17:25**
